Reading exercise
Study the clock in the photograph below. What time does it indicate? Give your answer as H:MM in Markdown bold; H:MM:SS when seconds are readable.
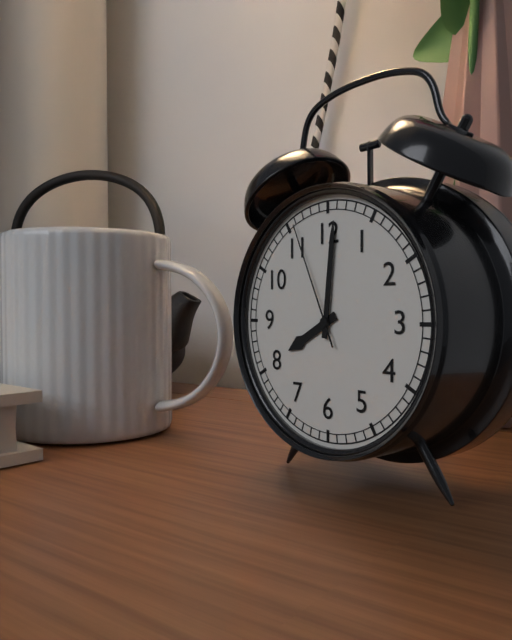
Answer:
**8:01:56**
